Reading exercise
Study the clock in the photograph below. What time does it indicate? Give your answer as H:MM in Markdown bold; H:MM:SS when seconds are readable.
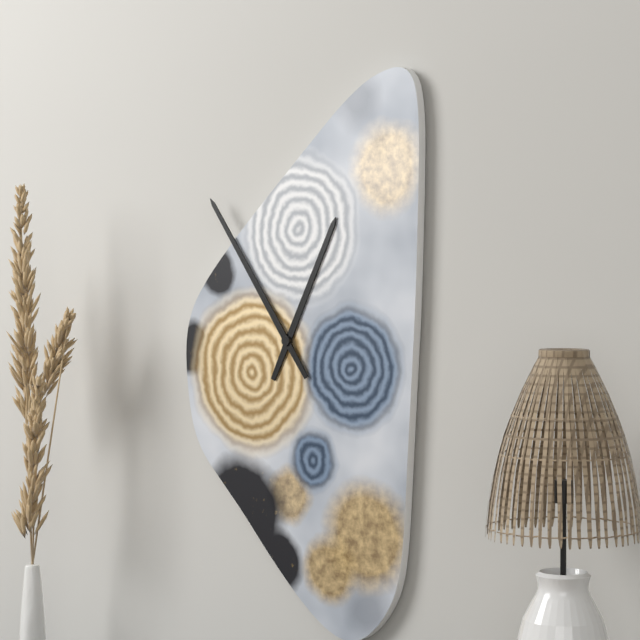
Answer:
**12:54**
